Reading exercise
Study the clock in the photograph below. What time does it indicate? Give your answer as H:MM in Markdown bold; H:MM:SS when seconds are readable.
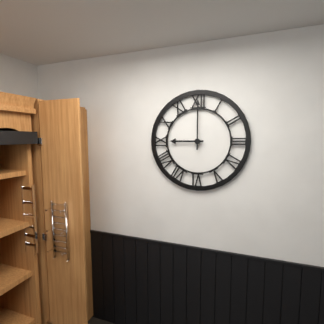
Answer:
**9:00**
